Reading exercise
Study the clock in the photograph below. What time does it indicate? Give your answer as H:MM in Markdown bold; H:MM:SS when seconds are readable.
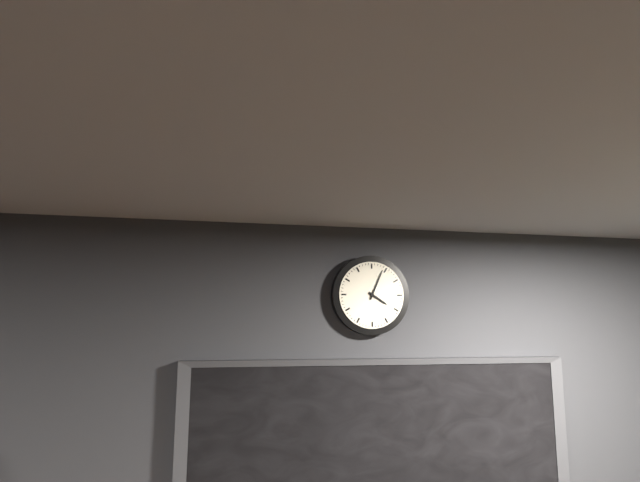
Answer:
**4:04**
